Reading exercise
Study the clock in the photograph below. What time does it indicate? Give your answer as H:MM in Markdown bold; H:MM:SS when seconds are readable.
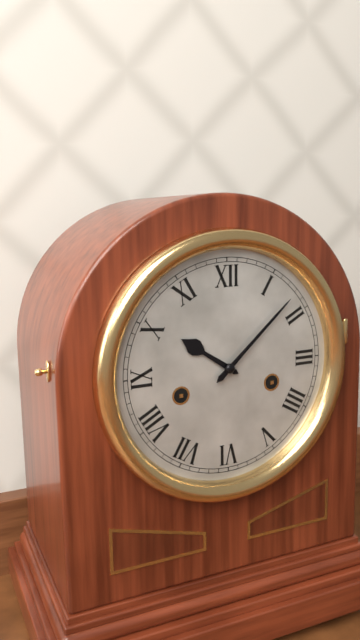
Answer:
**10:08**
